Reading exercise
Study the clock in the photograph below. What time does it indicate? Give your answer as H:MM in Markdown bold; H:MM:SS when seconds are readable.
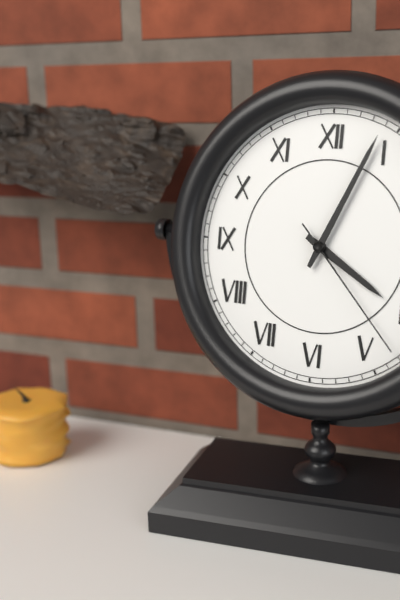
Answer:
**4:04:23**
